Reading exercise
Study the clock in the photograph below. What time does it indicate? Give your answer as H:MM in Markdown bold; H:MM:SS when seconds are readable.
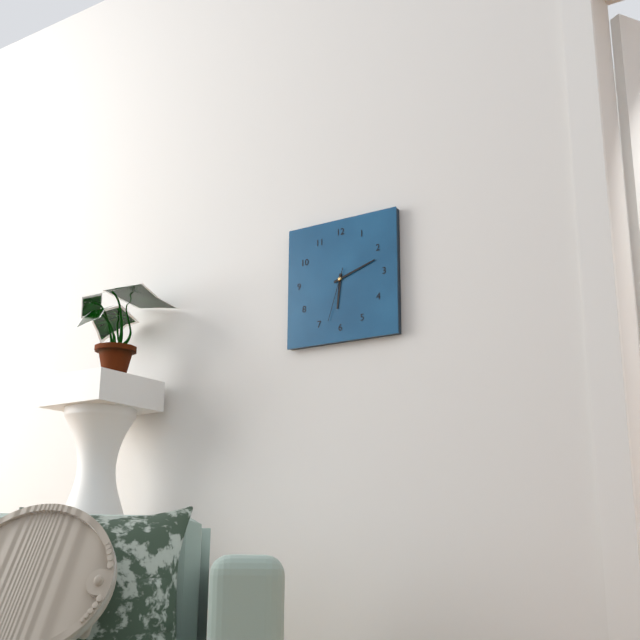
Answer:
**6:12:33**
